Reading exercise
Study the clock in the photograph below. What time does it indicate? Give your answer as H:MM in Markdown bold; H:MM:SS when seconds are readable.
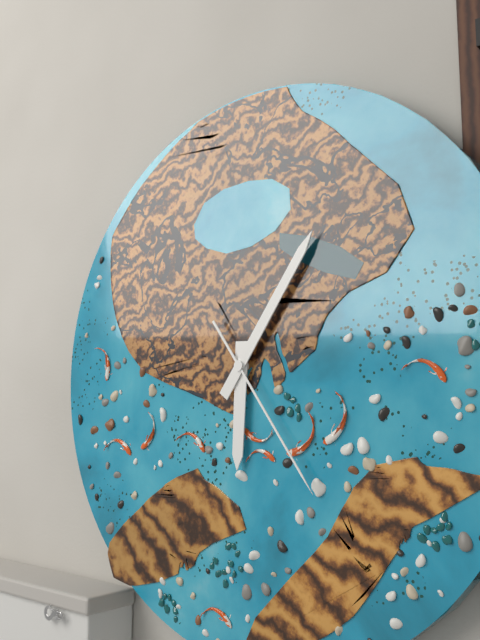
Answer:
**6:06:24**
